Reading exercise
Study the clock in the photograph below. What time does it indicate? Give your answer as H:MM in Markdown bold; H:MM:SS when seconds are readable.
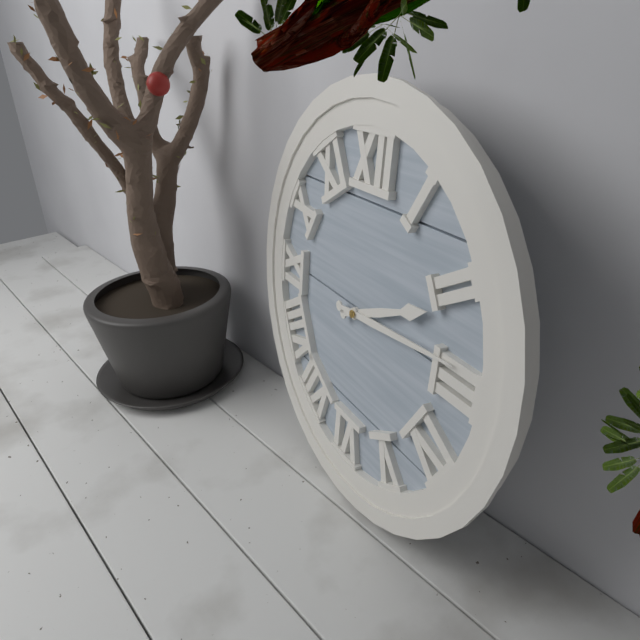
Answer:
**2:14**
